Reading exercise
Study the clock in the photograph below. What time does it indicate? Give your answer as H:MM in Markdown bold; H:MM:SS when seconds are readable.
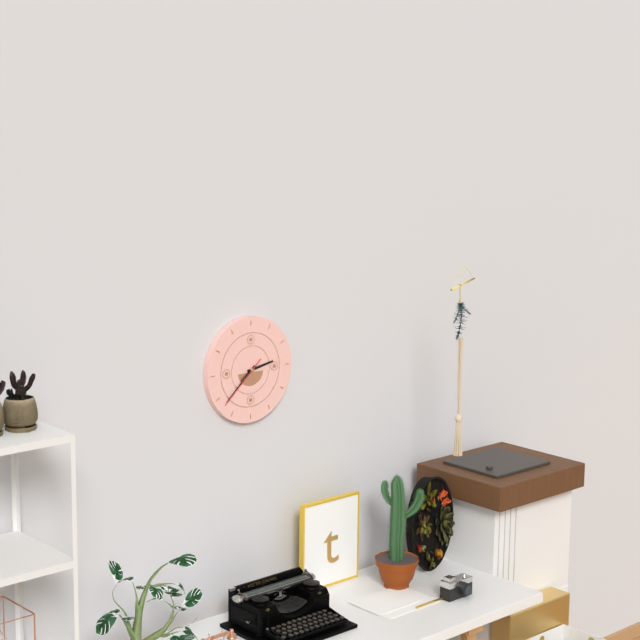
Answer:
**2:38:38**
